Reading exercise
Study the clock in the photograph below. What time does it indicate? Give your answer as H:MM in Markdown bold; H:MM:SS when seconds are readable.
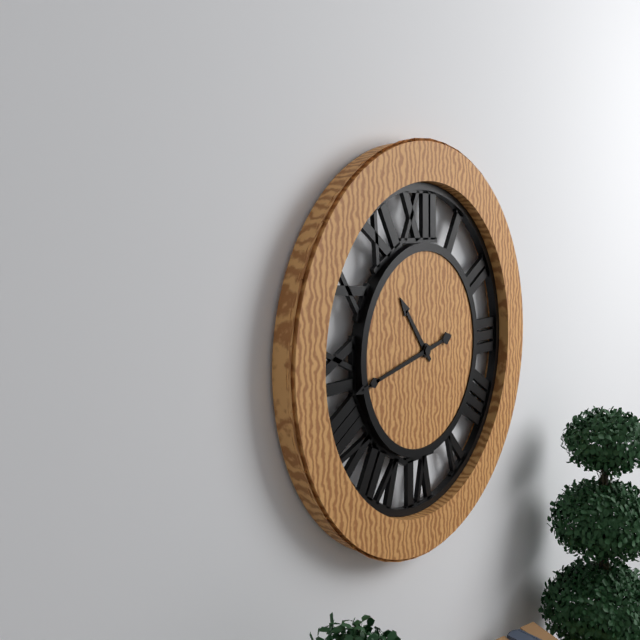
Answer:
**10:43**
